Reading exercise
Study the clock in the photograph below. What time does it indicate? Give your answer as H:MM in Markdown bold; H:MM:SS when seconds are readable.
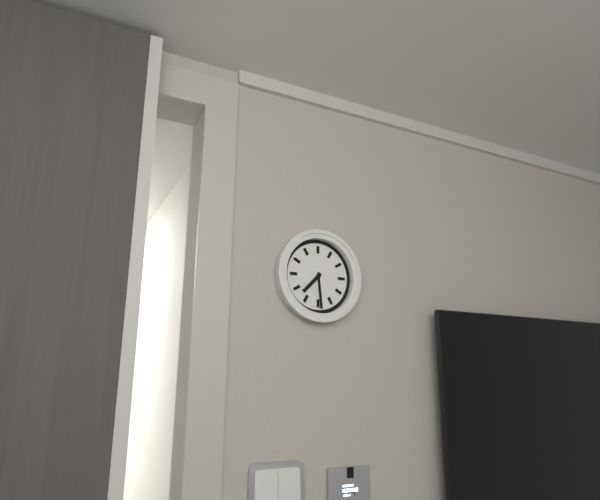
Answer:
**7:29**
